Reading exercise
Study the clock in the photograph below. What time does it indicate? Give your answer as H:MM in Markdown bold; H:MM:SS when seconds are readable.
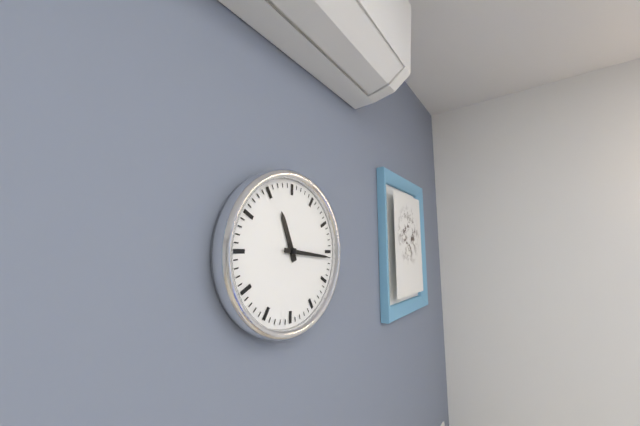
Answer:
**11:16**
